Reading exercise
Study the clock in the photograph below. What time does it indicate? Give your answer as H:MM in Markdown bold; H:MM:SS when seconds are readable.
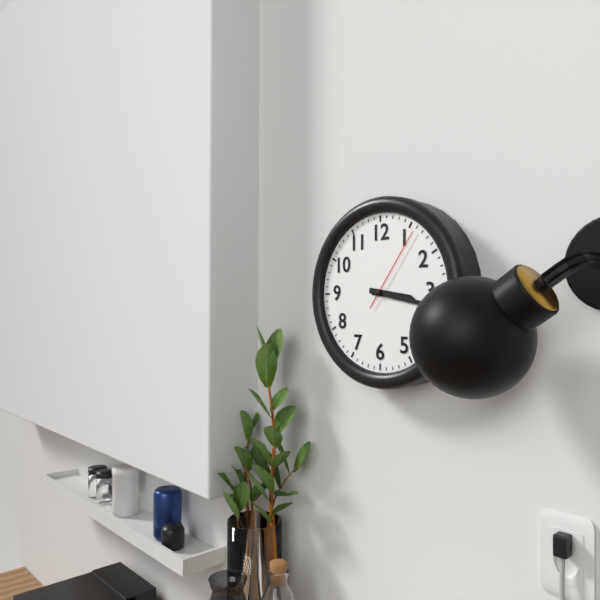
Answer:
**3:17:06**
